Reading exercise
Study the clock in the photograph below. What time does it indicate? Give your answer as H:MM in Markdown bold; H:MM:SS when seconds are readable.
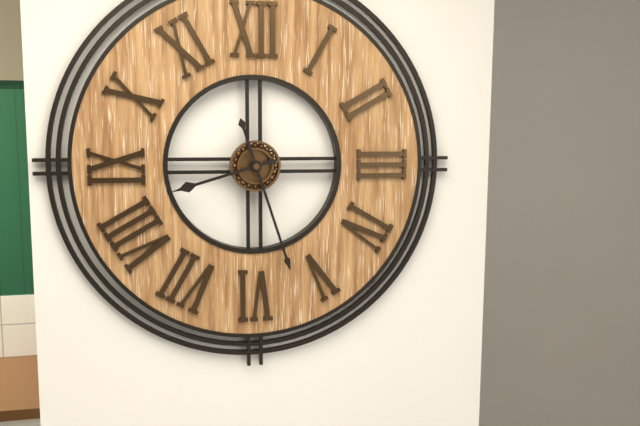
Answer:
**8:27**
